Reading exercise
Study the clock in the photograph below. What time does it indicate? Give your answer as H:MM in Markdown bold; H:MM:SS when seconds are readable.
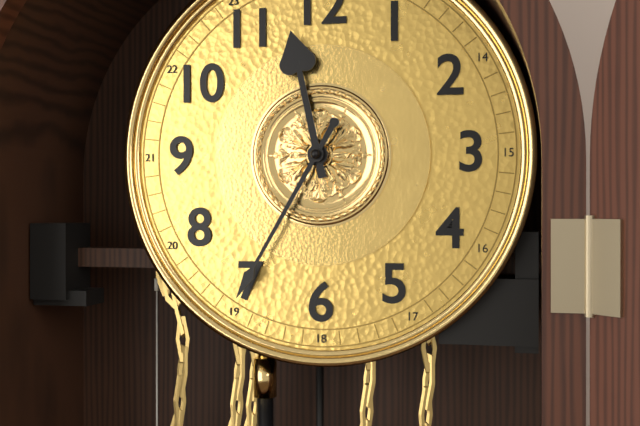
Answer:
**11:35**
